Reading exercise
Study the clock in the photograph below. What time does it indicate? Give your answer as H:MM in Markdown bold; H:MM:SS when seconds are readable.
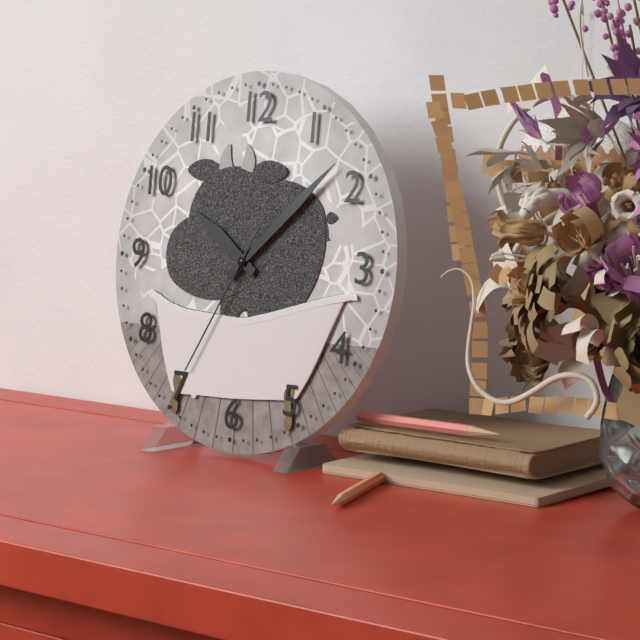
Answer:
**10:08:35**
